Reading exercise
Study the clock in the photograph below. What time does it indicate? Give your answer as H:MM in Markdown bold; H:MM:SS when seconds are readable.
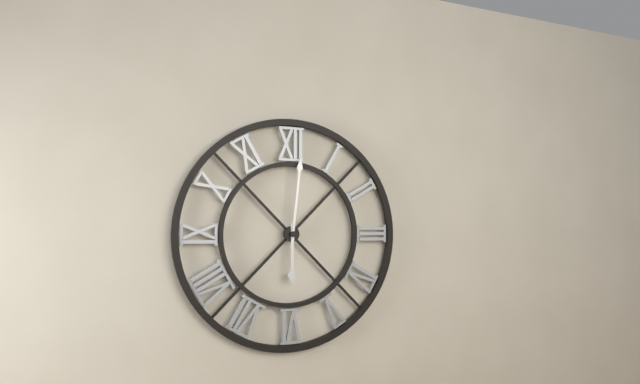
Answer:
**6:01**
